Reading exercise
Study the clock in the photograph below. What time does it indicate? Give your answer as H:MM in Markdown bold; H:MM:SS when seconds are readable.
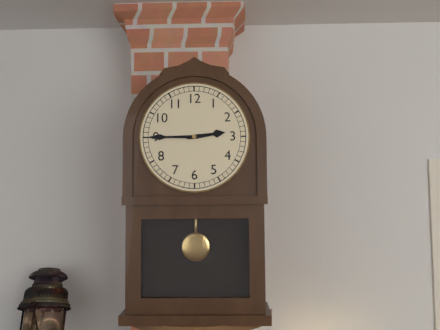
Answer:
**2:45**
